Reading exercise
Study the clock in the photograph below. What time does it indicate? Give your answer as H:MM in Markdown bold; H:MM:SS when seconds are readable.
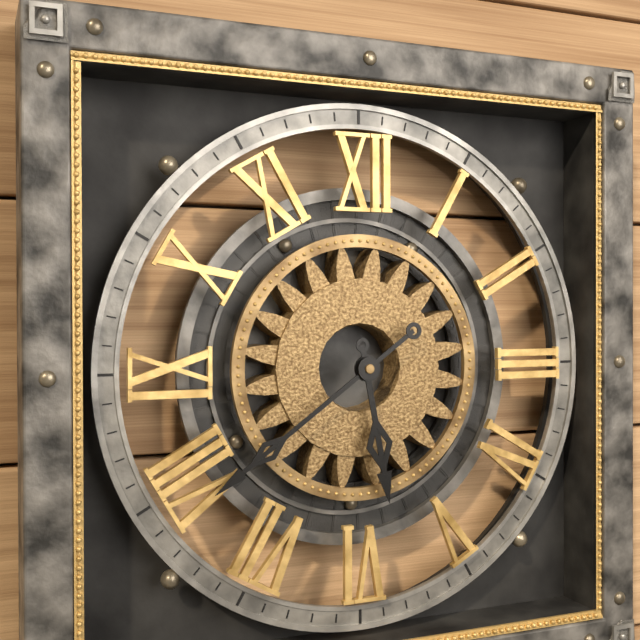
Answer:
**5:39**
